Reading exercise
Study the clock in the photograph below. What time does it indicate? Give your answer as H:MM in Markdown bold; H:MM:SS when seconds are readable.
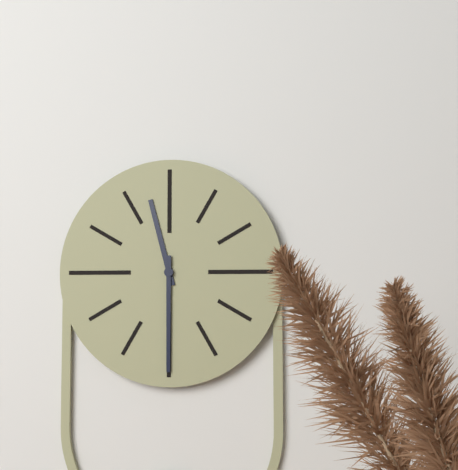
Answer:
**11:30**
